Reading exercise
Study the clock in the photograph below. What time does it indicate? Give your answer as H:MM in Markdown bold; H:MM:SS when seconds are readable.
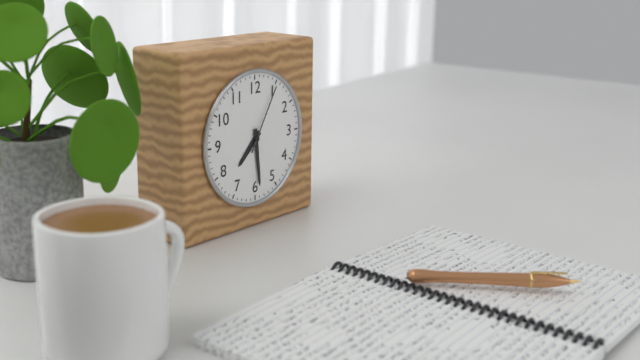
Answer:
**7:29:05**
